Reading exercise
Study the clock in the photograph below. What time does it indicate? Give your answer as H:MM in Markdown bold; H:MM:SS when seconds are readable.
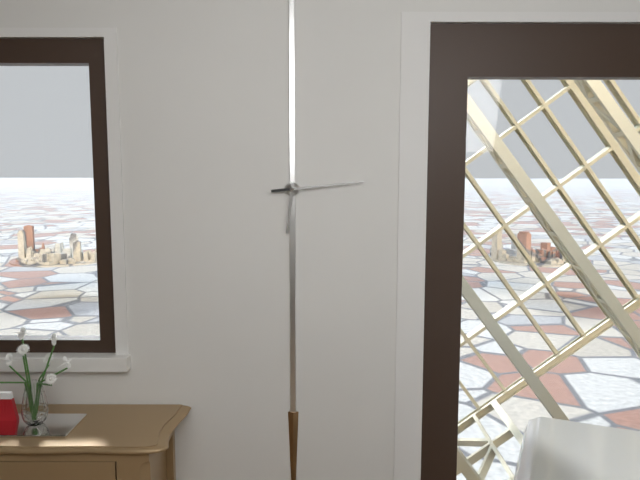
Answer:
**6:14**
